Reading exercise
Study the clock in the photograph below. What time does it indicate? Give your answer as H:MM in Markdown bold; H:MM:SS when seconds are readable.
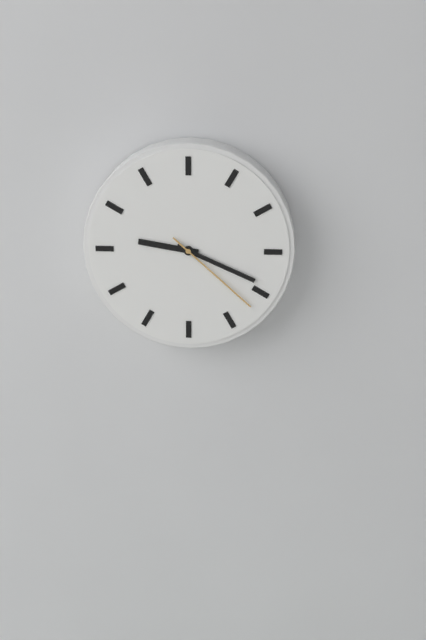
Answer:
**9:19:22**
